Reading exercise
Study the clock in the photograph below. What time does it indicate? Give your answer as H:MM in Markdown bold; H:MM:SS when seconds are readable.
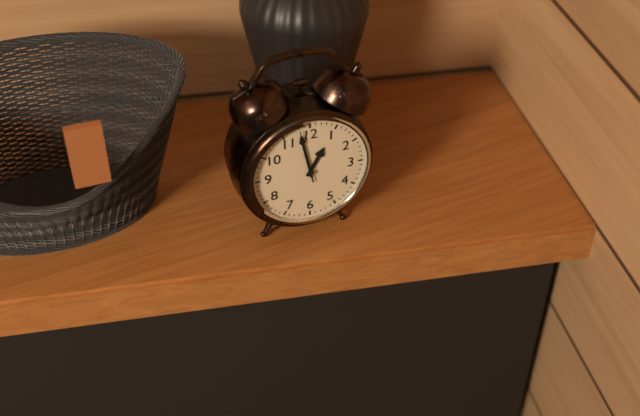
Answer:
**12:58:58**
